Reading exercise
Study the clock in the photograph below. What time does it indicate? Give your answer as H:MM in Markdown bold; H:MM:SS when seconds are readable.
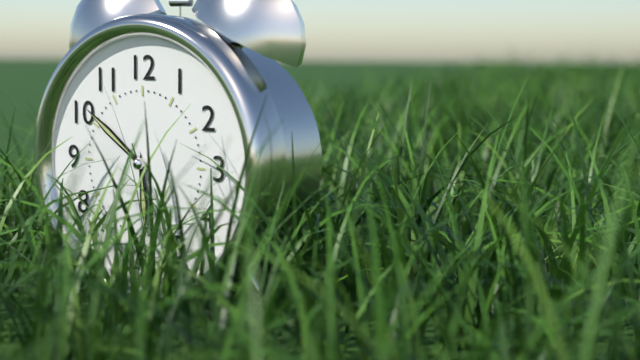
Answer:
**5:51**
